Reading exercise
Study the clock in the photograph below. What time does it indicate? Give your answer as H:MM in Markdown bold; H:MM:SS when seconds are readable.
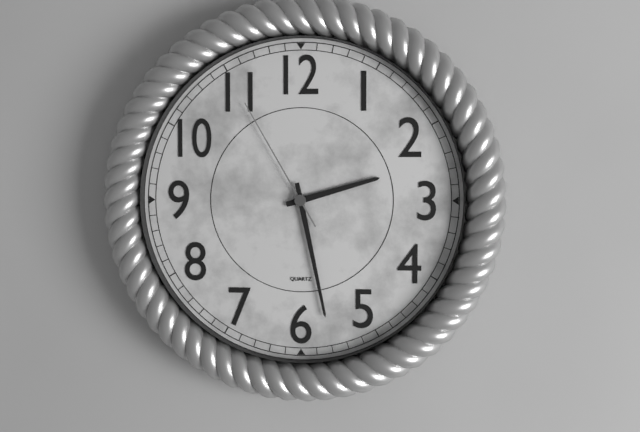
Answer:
**2:28:55**
